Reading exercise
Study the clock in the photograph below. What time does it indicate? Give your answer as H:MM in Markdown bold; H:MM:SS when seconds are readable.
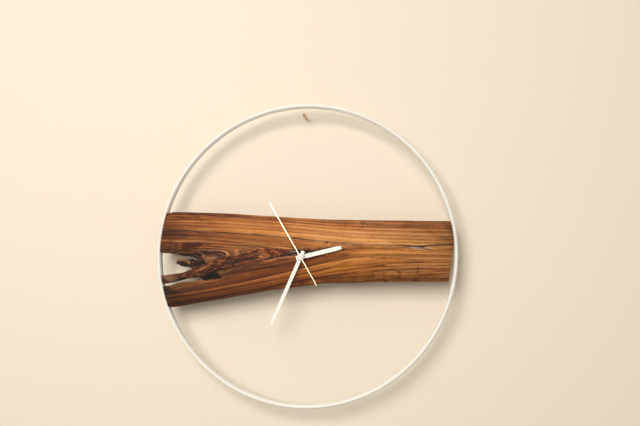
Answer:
**2:34:55**
